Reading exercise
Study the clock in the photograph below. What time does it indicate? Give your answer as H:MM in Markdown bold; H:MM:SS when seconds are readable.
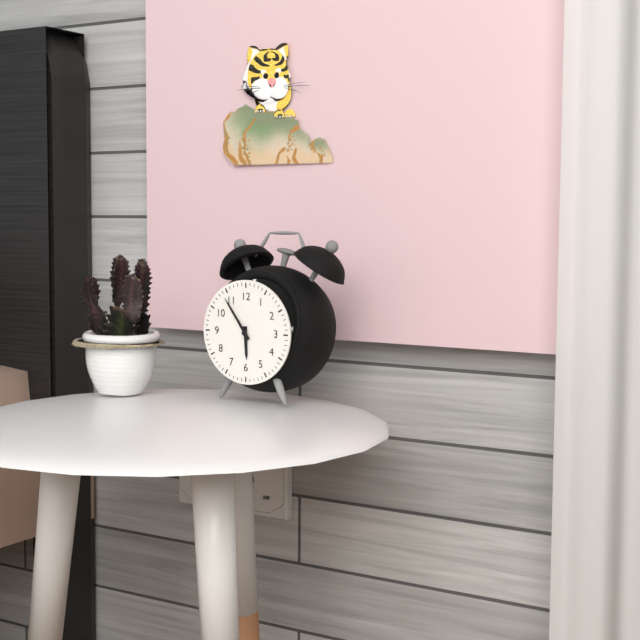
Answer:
**5:54**
